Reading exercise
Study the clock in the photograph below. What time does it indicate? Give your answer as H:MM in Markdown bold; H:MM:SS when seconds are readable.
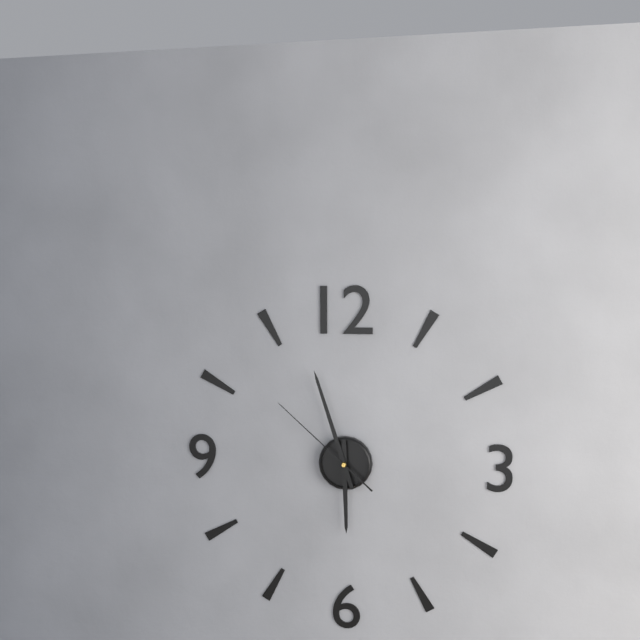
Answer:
**5:57:52**
